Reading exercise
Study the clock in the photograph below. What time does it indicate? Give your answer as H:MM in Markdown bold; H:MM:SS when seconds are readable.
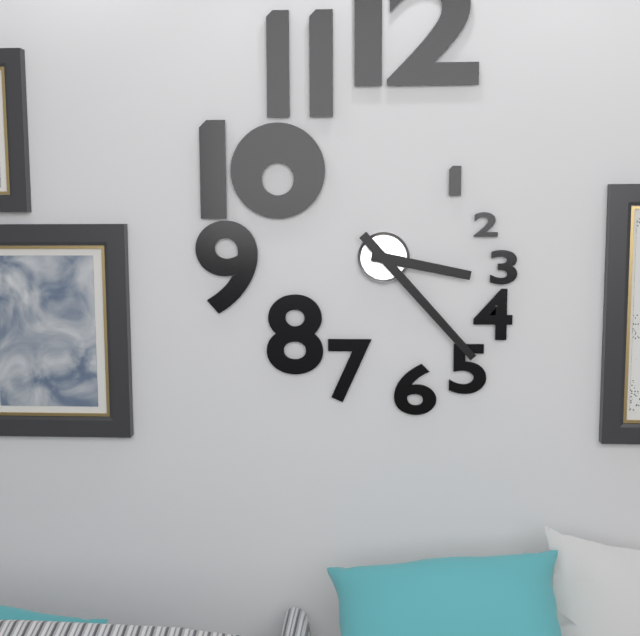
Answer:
**3:23**
